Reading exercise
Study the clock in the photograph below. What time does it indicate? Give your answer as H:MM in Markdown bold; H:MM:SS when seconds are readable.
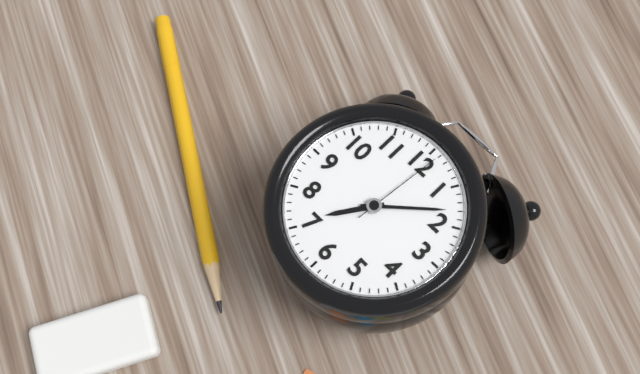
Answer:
**7:08:01**
